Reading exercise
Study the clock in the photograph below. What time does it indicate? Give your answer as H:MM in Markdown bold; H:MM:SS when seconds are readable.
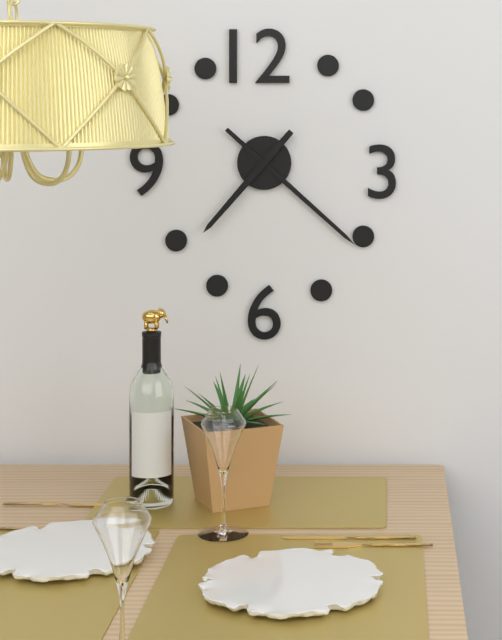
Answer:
**7:22**
